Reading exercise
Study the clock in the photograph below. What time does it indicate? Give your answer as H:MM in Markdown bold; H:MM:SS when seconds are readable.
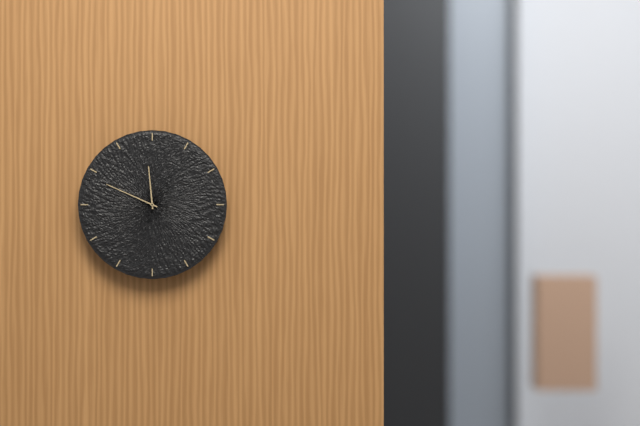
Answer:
**11:49**
